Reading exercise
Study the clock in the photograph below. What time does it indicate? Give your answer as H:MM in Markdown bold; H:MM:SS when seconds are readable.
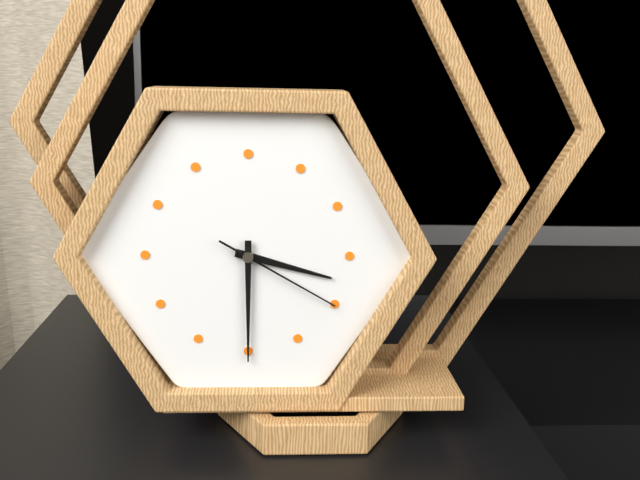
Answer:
**3:30:20**
